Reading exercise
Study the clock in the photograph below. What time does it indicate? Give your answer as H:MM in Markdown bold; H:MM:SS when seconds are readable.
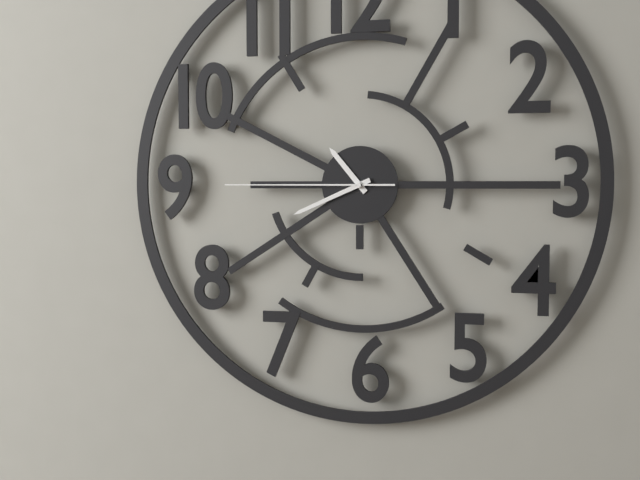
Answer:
**10:41:45**
